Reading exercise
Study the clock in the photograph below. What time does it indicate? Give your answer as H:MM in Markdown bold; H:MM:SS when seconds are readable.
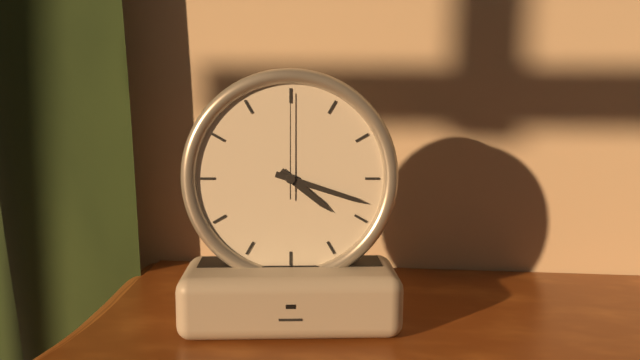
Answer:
**4:18:00**
